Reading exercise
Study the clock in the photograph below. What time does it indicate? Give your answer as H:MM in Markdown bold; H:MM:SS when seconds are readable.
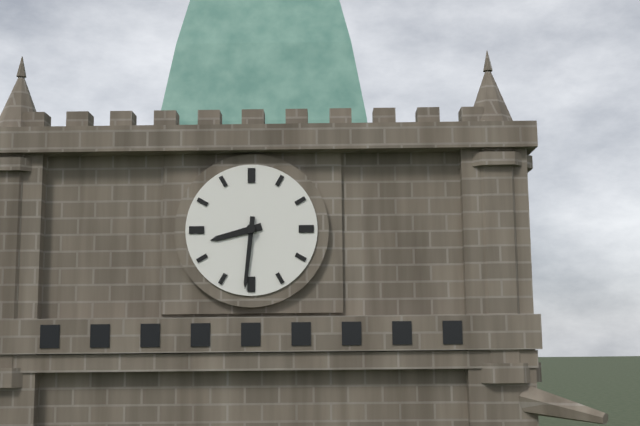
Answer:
**8:31**
